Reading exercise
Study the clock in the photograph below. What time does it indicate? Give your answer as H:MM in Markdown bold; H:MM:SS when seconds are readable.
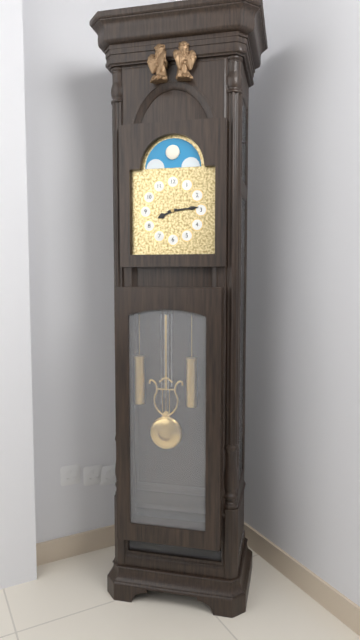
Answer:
**8:14**
